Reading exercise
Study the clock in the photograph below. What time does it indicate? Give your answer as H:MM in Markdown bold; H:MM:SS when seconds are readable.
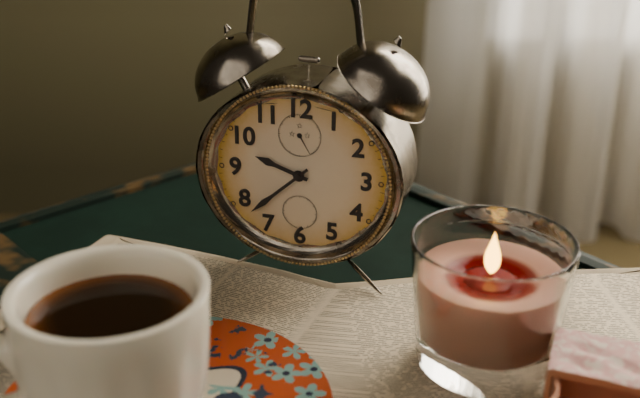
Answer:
**9:38**
